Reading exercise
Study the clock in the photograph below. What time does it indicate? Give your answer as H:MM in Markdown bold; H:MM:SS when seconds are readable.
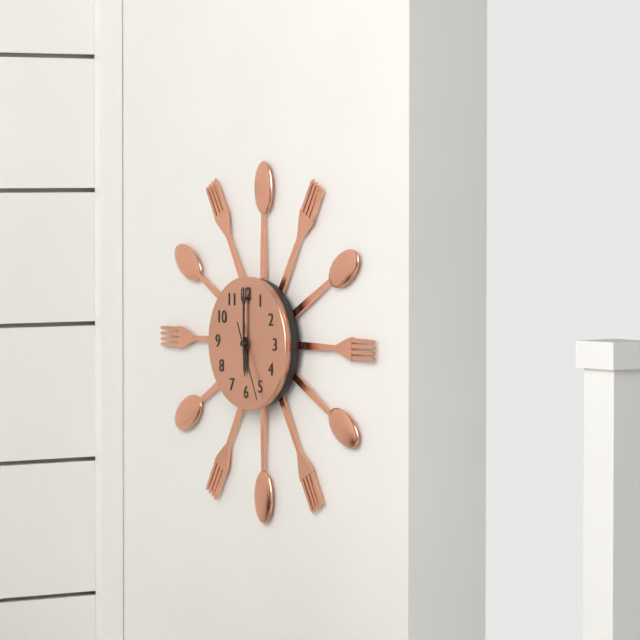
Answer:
**6:00:26**
